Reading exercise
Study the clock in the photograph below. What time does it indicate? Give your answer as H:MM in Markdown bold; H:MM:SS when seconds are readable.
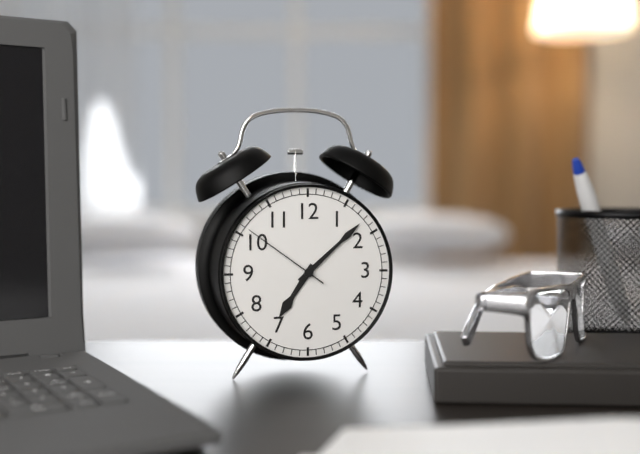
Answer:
**7:08:51**
